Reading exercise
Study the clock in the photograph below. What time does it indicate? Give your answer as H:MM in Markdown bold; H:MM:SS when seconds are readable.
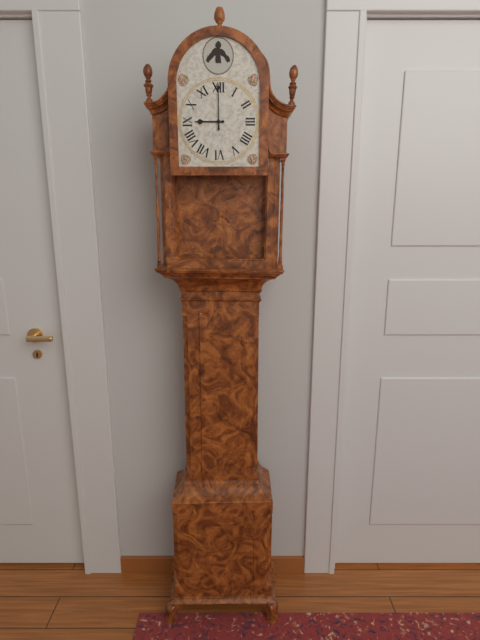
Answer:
**9:00**
